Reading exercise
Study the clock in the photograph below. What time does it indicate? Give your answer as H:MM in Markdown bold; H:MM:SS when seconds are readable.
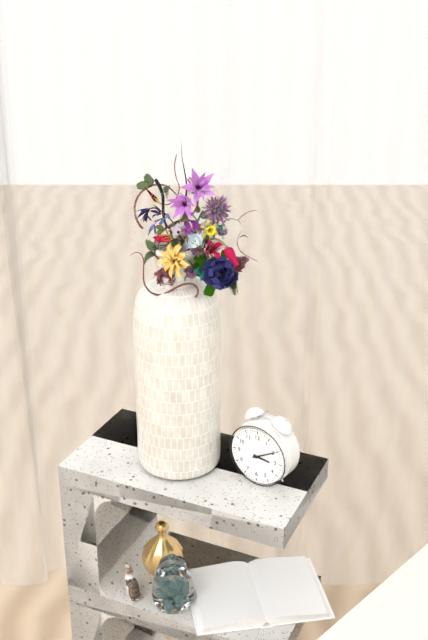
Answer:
**3:10**
